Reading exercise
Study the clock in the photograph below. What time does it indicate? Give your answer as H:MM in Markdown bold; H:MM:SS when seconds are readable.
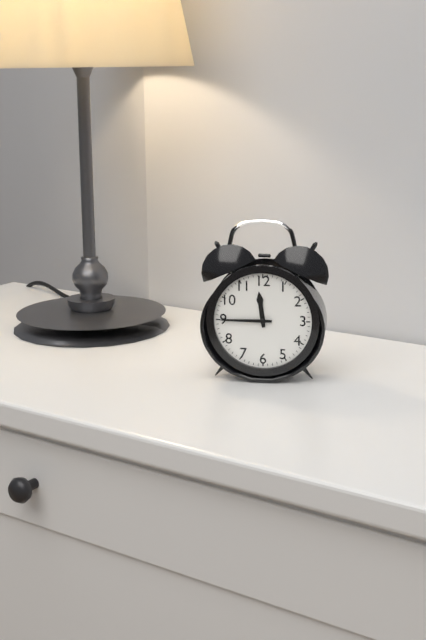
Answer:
**11:45**
